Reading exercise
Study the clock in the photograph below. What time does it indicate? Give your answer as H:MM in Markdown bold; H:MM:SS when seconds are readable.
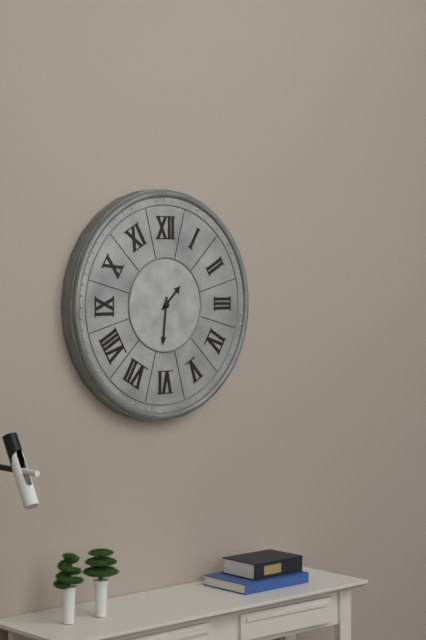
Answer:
**1:31**
